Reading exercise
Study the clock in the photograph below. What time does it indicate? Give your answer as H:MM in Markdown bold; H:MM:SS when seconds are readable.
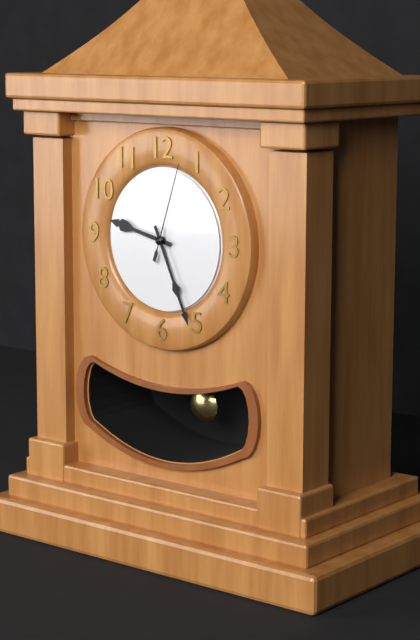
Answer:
**9:26:03**
